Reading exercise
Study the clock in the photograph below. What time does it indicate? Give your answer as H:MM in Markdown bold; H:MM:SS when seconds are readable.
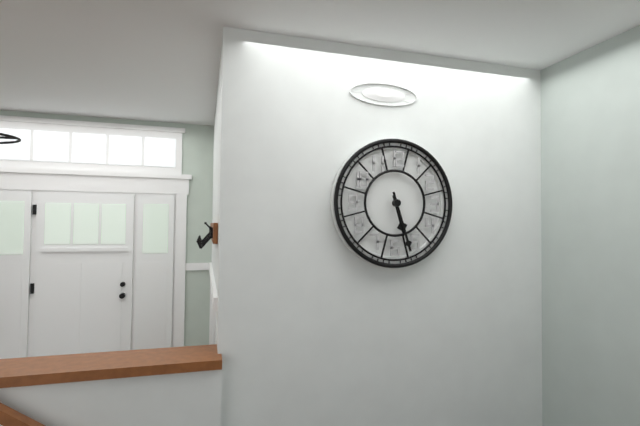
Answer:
**5:27**
